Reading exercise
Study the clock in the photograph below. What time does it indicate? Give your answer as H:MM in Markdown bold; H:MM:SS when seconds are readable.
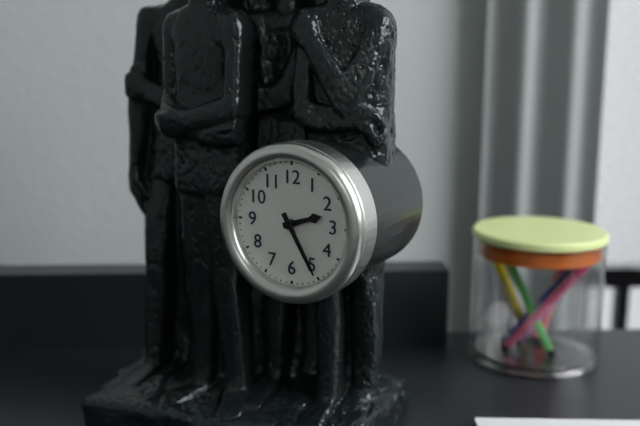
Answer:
**2:25**
